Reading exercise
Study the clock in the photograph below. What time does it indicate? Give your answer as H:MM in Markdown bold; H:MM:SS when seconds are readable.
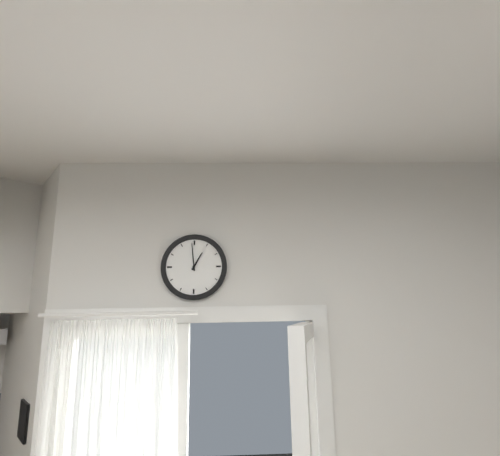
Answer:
**12:59**
